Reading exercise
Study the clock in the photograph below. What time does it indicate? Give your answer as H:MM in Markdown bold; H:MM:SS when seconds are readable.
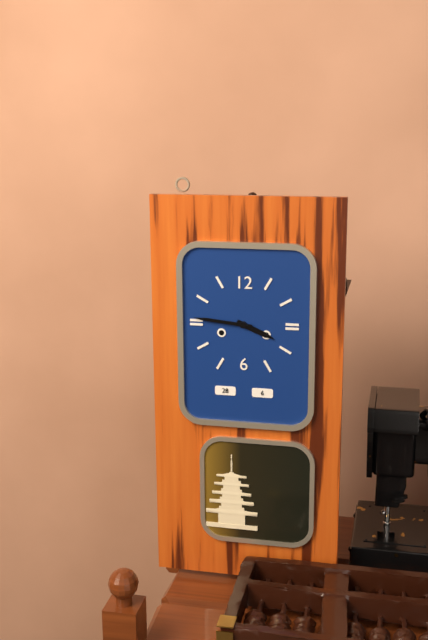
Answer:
**3:46**
